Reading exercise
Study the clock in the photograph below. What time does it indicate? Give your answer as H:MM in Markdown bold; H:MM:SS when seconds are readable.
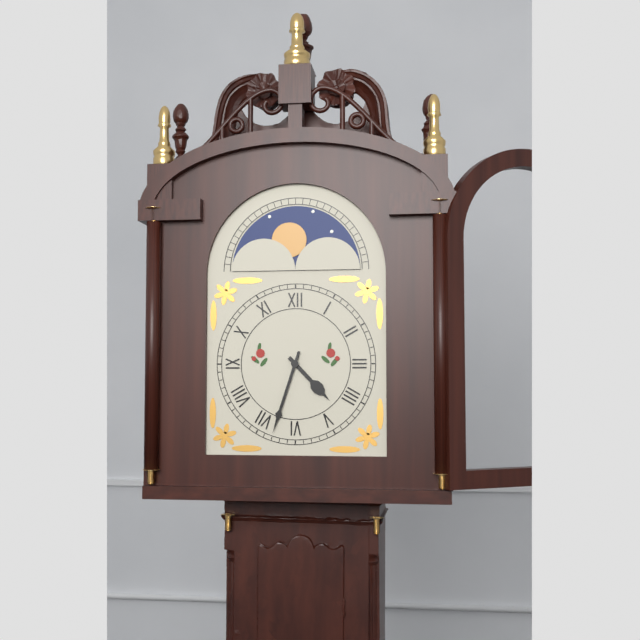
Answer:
**4:33**
